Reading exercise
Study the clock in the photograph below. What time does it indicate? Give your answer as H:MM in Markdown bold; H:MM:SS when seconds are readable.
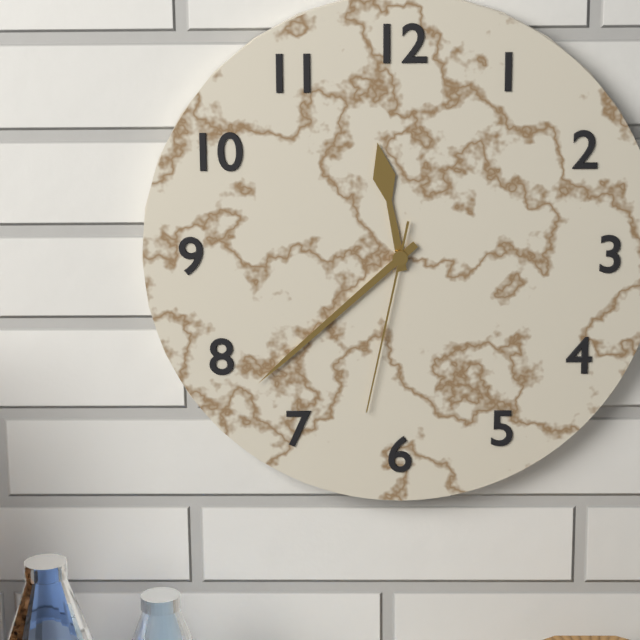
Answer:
**11:38:32**
